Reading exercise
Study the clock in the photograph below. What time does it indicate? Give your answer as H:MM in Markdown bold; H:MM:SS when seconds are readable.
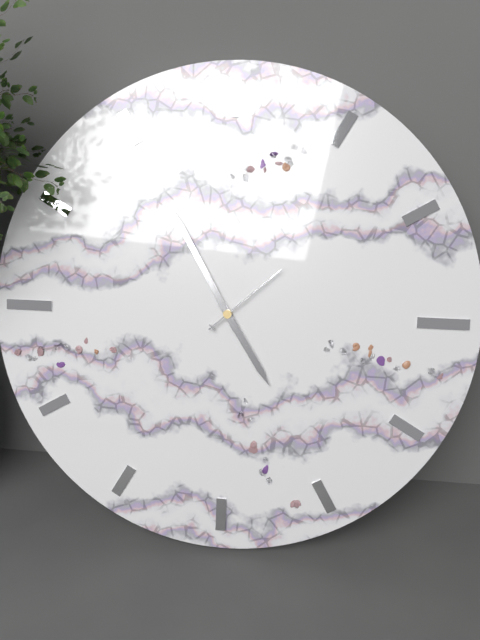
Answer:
**4:55:08**
